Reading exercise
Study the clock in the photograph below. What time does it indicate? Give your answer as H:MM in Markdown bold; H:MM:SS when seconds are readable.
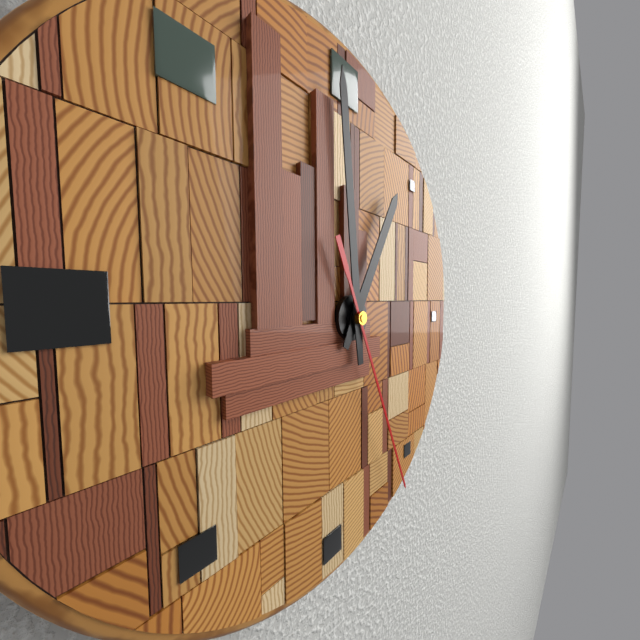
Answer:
**12:59:26**
